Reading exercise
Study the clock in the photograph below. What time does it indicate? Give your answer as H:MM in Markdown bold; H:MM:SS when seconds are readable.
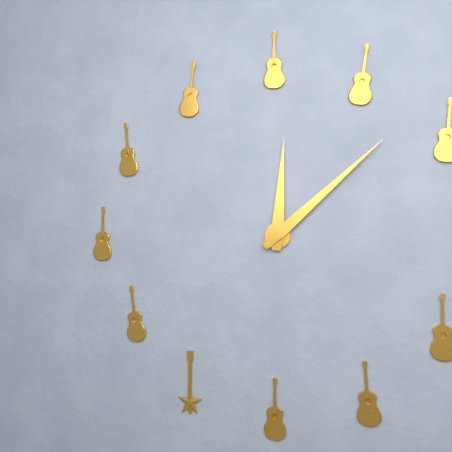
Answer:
**12:08**
